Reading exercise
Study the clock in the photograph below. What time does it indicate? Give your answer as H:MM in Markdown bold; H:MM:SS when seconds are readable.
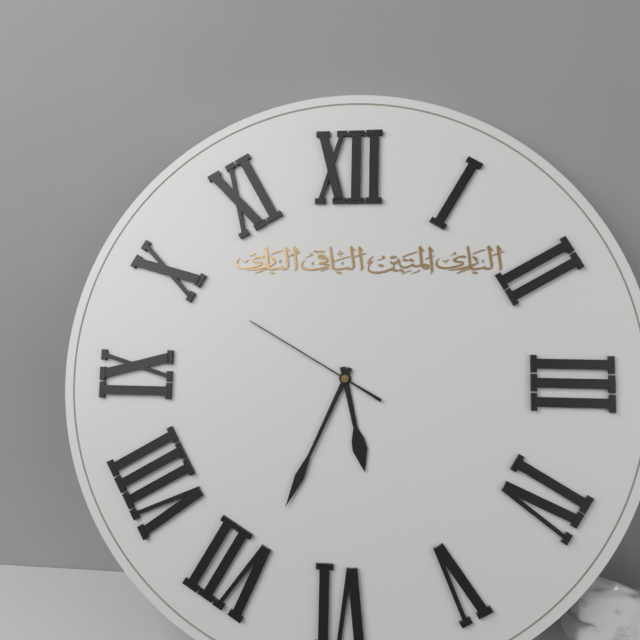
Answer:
**5:34:50**
